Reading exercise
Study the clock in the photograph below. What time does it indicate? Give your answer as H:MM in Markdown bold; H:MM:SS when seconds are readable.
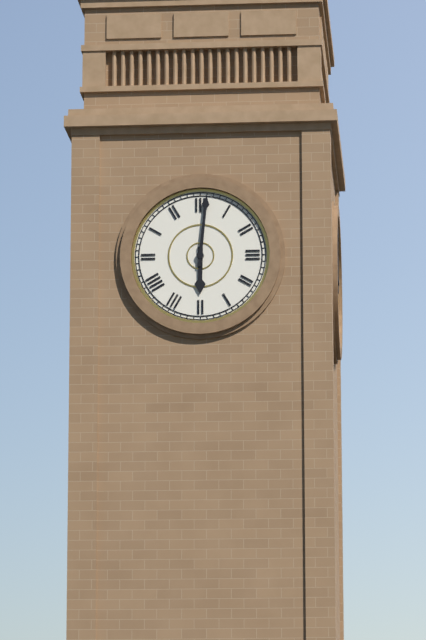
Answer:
**6:01**
